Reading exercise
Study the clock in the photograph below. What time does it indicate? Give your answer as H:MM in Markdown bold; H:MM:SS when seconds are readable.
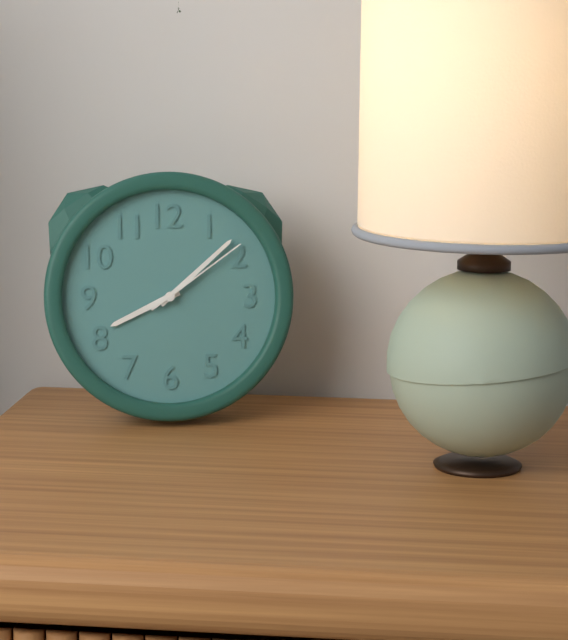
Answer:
**8:08:09**
